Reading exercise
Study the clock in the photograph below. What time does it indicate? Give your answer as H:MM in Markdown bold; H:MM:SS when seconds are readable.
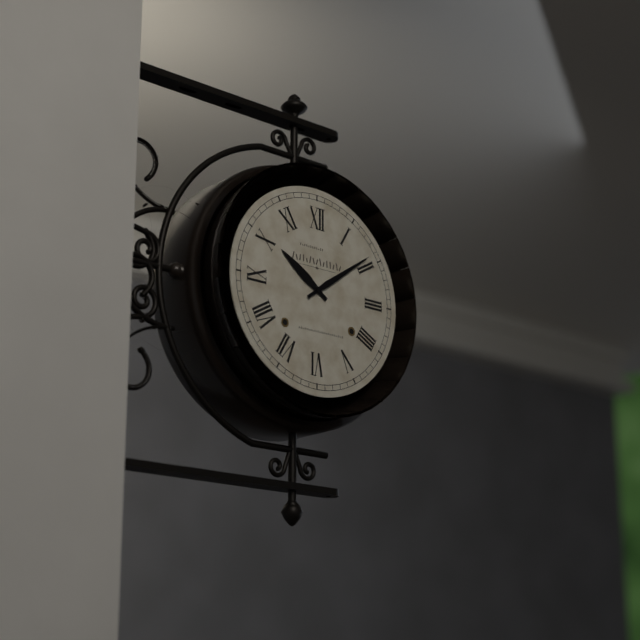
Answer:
**10:09**
